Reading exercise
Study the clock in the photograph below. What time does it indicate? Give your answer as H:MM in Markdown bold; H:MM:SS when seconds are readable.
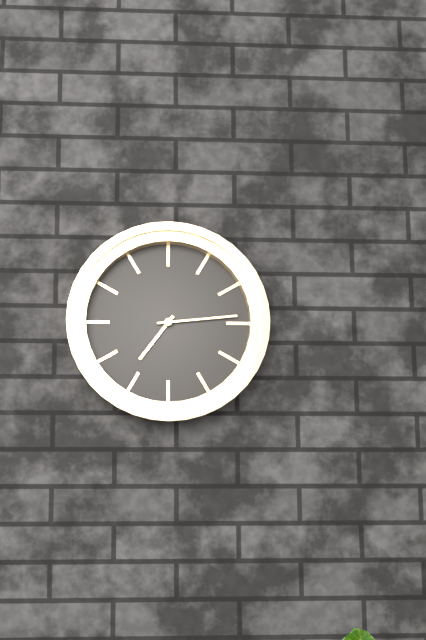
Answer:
**7:14**
